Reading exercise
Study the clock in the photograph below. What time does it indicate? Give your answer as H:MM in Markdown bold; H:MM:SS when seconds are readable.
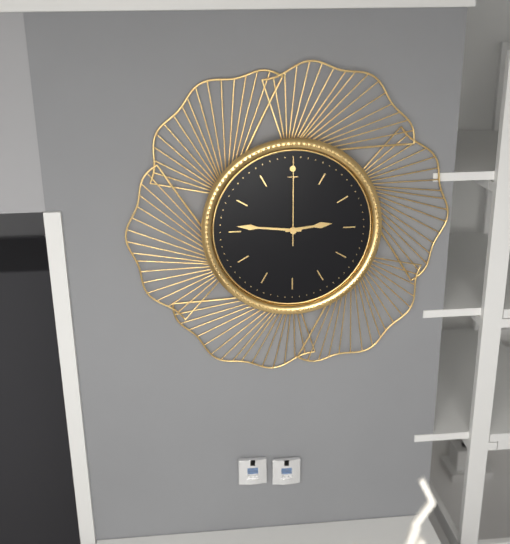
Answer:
**2:46:00**
